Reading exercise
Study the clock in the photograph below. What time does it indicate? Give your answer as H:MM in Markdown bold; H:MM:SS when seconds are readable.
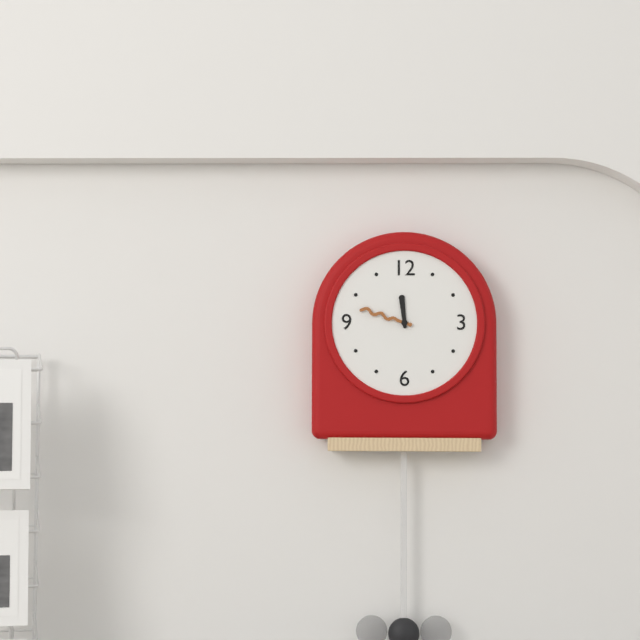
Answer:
**11:48**
